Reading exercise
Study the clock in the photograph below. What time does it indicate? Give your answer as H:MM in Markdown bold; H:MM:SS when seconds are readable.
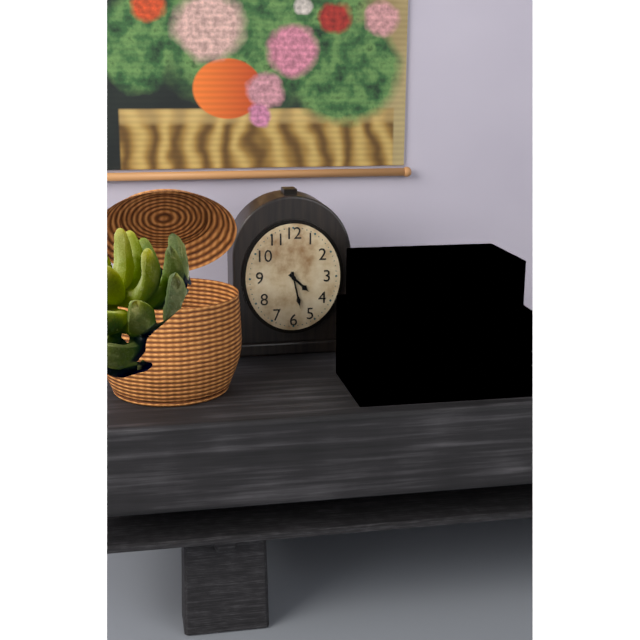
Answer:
**4:28**
